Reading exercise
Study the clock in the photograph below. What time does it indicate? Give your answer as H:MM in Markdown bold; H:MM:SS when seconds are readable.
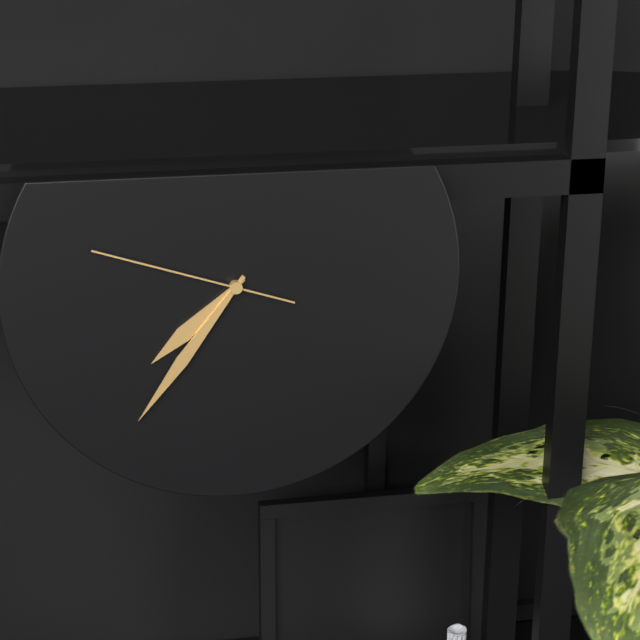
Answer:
**7:36:48**
